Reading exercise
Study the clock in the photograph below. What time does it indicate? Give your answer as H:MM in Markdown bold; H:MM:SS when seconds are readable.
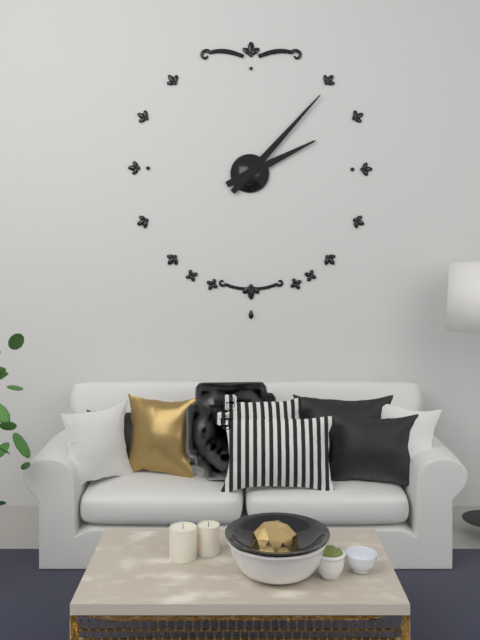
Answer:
**2:07**
